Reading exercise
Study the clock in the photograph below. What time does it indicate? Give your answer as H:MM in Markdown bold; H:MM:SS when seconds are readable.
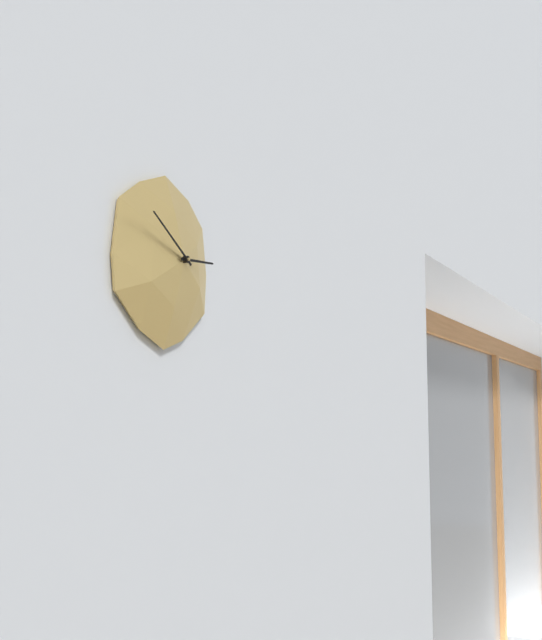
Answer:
**2:50**
